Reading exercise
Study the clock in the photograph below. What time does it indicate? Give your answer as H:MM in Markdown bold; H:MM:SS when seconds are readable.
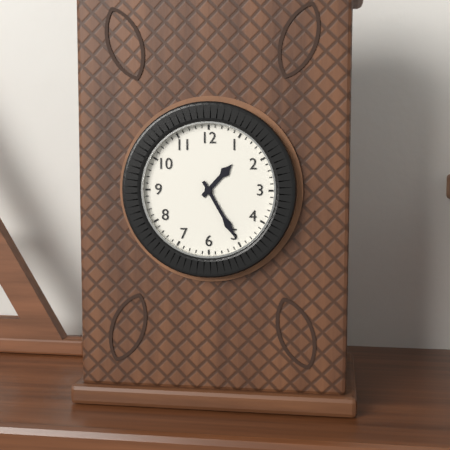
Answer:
**1:25**
